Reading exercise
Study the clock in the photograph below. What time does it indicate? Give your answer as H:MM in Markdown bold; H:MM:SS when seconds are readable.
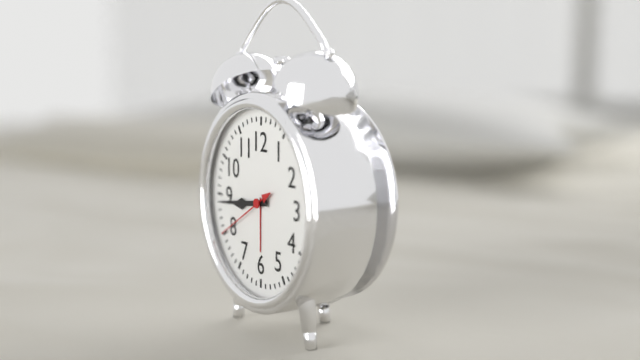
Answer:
**8:44:40**
